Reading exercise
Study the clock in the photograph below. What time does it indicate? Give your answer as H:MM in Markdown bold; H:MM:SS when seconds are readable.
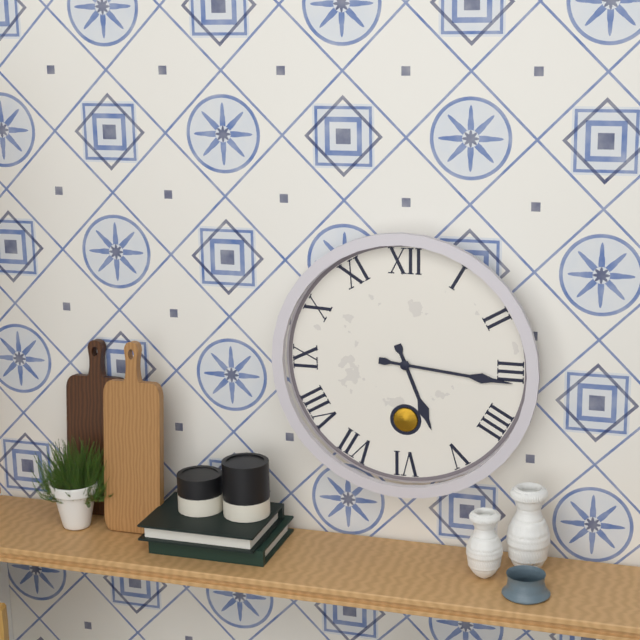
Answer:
**5:16**
